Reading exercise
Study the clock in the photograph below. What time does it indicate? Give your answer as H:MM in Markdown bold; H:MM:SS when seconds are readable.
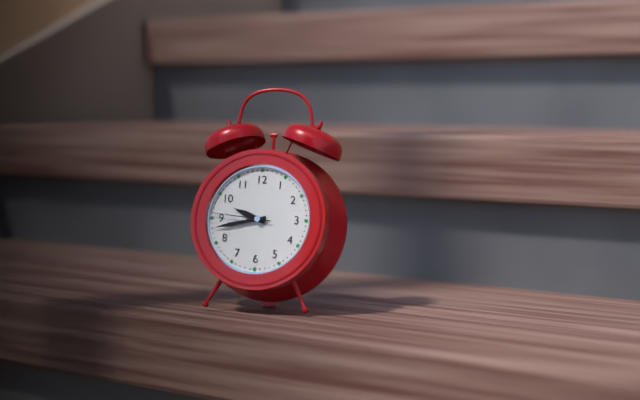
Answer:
**9:43:46**
